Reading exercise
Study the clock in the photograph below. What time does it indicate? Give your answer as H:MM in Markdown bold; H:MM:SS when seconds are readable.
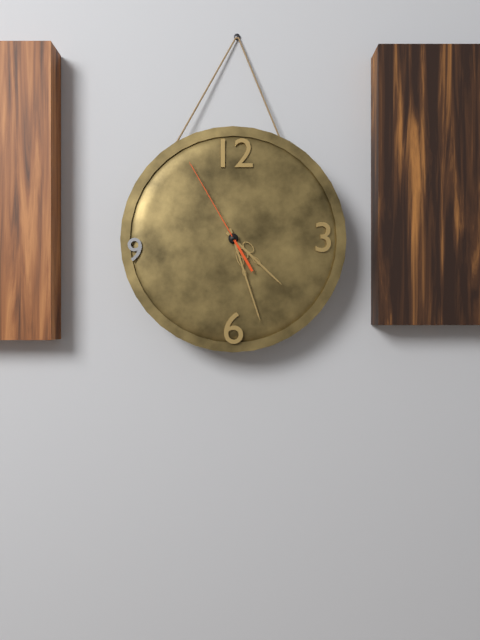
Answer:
**4:27:55**
